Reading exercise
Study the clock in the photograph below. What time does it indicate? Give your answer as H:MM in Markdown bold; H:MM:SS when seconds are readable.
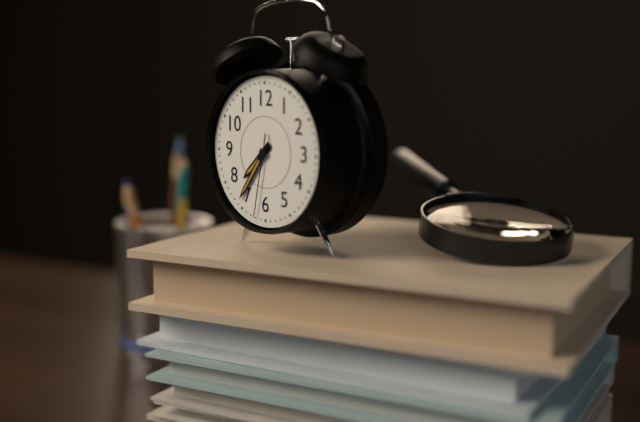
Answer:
**7:36:32**
